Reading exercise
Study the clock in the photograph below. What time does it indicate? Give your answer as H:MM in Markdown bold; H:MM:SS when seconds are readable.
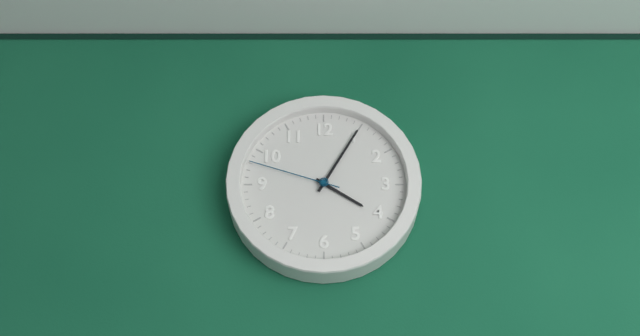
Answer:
**4:05:48**
